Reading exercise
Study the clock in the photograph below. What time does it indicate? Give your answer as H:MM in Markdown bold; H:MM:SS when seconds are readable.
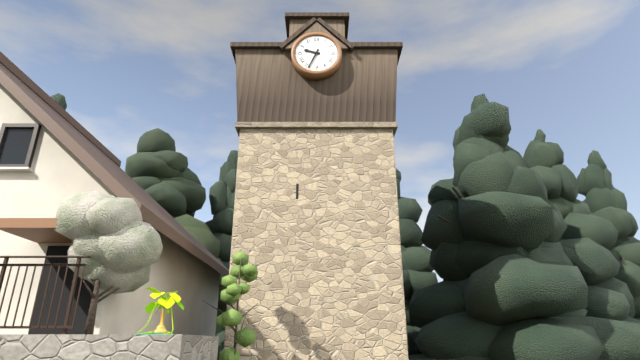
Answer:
**9:34**
